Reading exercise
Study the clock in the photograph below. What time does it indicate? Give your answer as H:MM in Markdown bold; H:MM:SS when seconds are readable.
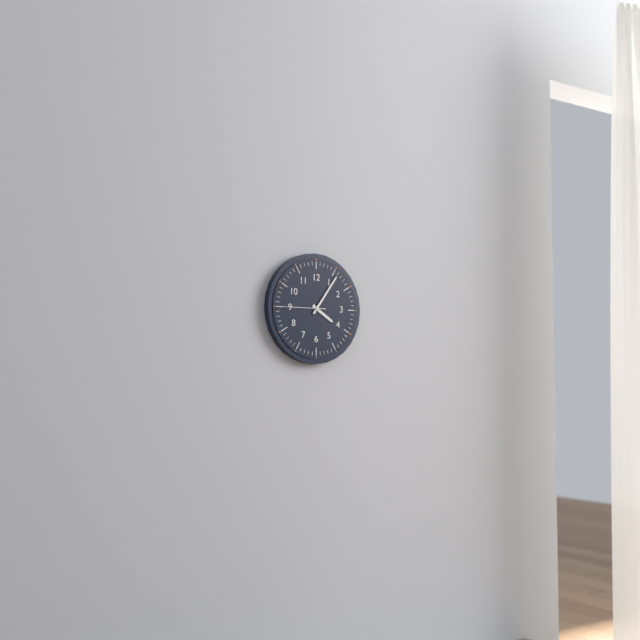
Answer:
**4:06**
